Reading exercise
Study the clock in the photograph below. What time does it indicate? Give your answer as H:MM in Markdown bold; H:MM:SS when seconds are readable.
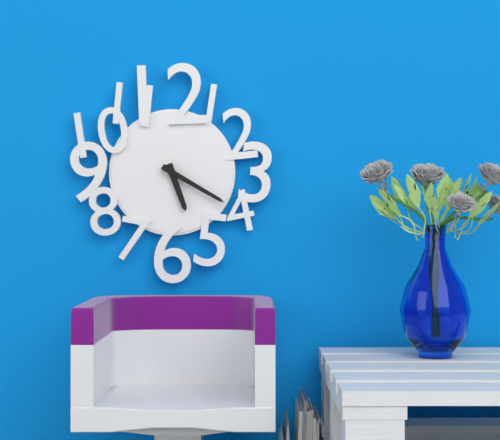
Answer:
**5:20**
